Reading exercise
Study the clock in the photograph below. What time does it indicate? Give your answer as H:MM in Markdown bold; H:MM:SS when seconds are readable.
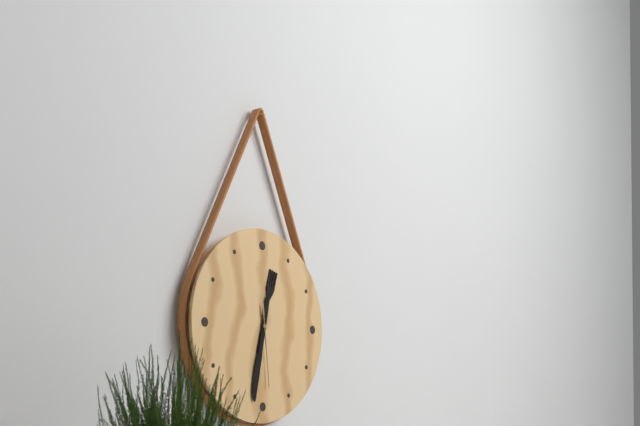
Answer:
**12:32:29**
